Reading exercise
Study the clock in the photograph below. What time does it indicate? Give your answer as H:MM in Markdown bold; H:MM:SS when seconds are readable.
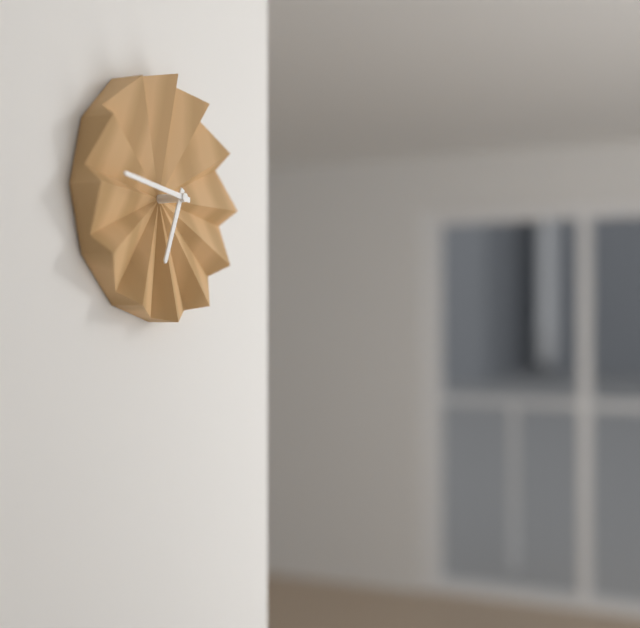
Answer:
**6:46**
